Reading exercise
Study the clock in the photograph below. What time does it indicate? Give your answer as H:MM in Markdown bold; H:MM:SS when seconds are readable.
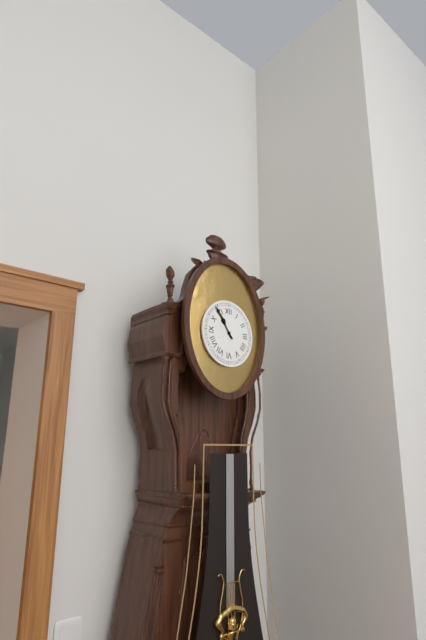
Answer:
**10:54**
